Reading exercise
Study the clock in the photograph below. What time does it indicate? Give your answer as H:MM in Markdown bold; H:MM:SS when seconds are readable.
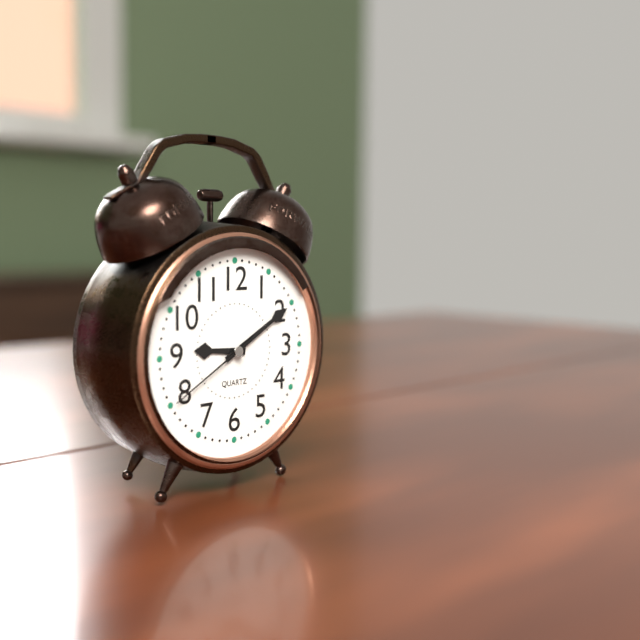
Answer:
**9:10:40**
